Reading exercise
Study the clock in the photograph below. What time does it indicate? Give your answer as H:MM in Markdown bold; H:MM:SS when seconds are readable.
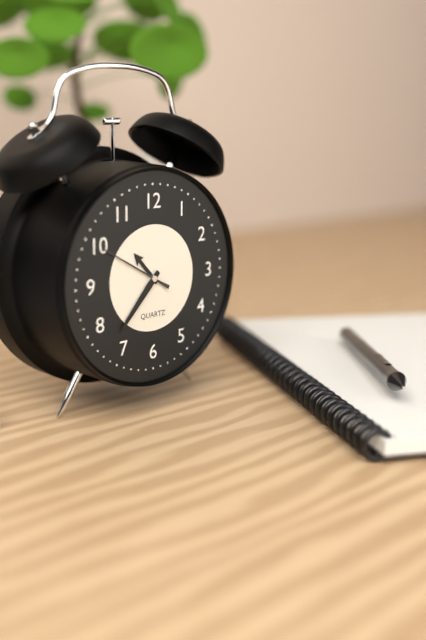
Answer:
**10:37:50**
